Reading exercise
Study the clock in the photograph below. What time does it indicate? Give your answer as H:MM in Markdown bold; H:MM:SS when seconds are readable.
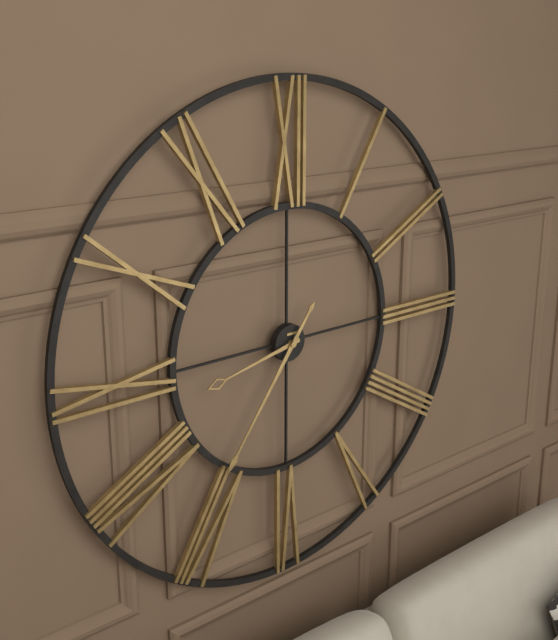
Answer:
**8:36**
